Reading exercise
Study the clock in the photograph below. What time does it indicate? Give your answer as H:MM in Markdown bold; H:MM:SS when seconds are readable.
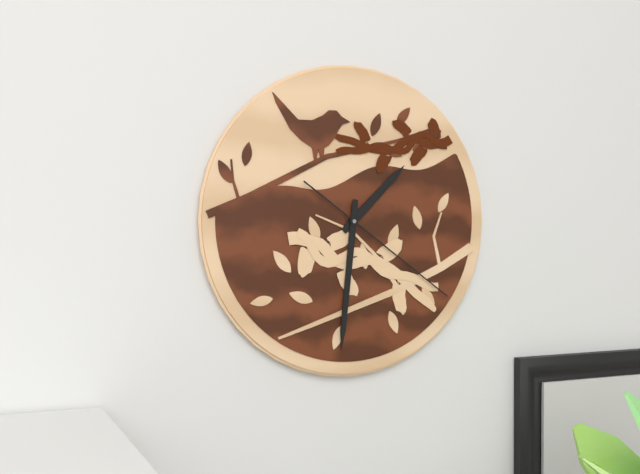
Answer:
**1:31:21**
